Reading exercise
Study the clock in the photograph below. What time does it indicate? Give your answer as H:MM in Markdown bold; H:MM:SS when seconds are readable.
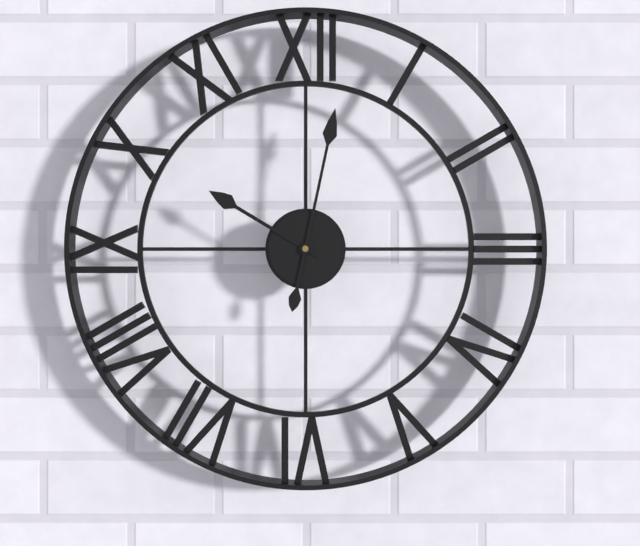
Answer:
**10:02**
